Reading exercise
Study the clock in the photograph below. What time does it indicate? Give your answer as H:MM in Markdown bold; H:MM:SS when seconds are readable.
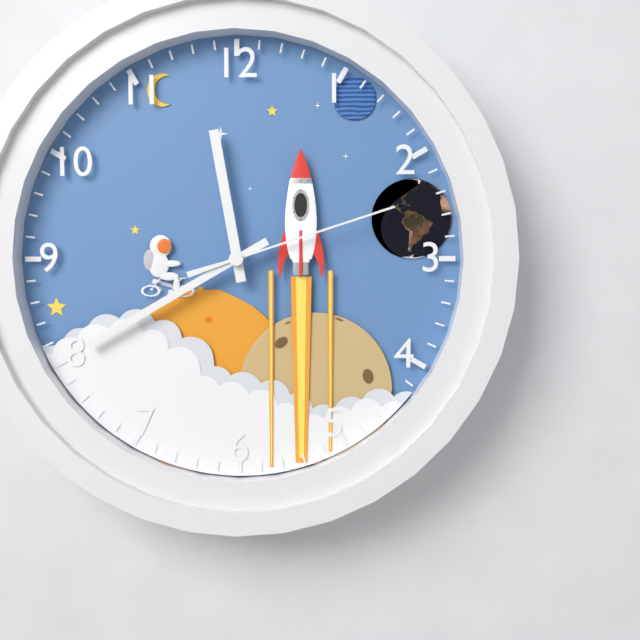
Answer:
**11:40:12**
